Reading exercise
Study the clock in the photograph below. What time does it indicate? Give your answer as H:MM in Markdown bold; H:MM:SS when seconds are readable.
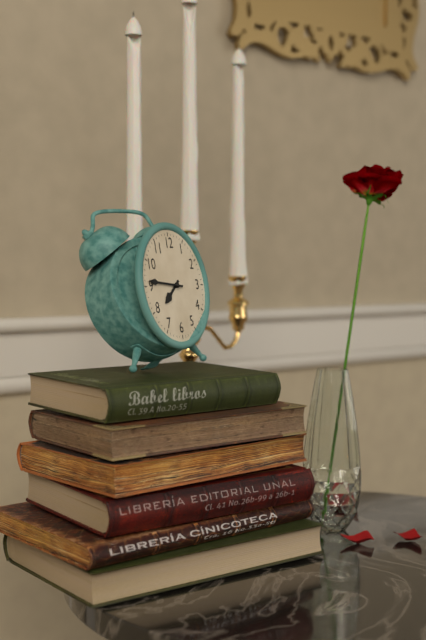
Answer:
**7:46**
